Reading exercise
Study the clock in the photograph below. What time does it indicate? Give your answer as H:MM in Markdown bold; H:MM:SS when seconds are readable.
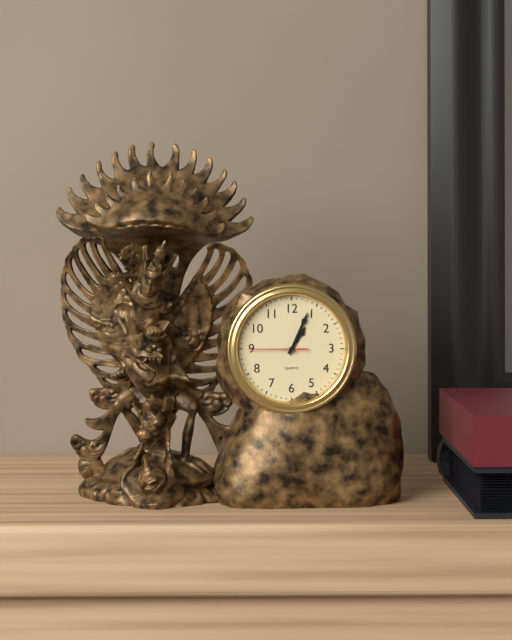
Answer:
**1:04:45**
